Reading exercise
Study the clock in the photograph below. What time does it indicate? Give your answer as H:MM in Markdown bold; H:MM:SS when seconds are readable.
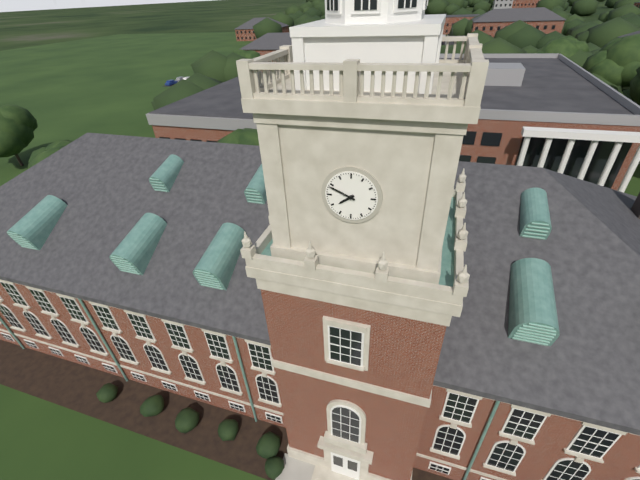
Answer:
**7:49**
